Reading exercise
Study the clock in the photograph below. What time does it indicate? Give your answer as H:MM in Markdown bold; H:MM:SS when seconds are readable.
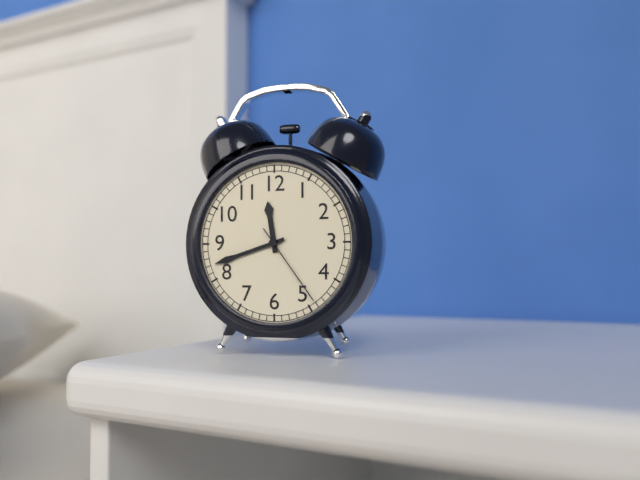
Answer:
**11:42:24**
